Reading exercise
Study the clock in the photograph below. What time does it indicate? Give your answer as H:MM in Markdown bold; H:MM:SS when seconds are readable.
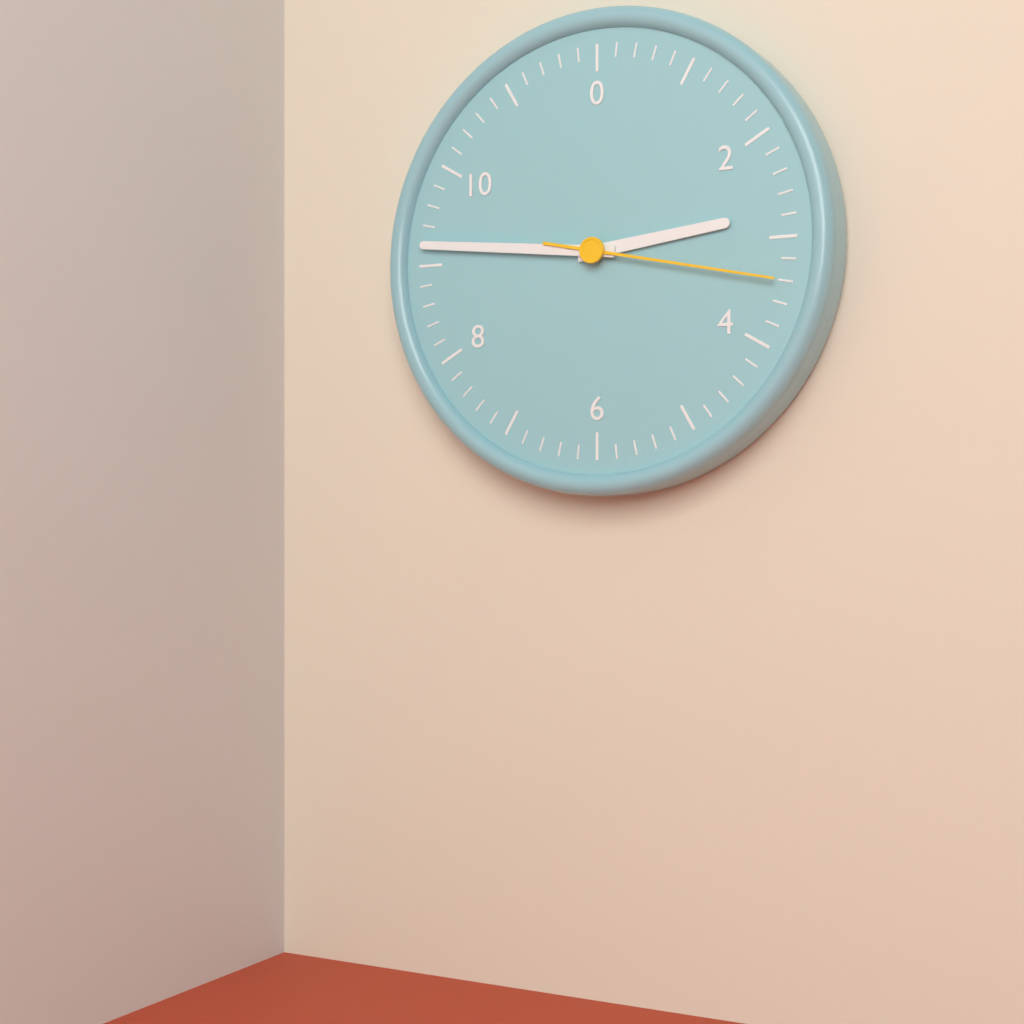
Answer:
**2:46:17**
